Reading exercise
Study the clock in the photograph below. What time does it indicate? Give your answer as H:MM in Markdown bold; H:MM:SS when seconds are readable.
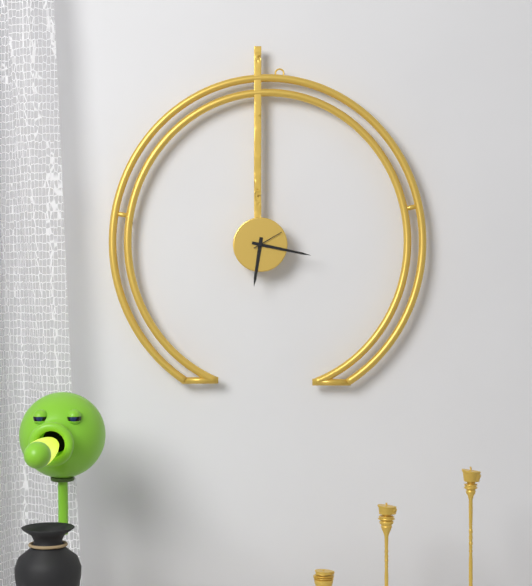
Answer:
**6:17**
